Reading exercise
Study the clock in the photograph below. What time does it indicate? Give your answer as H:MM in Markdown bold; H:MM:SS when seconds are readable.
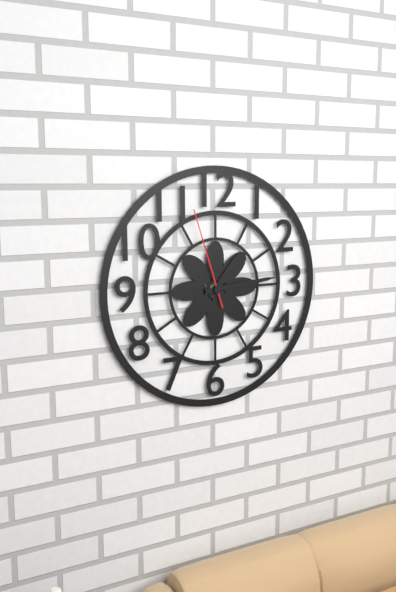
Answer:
**1:14:57**
